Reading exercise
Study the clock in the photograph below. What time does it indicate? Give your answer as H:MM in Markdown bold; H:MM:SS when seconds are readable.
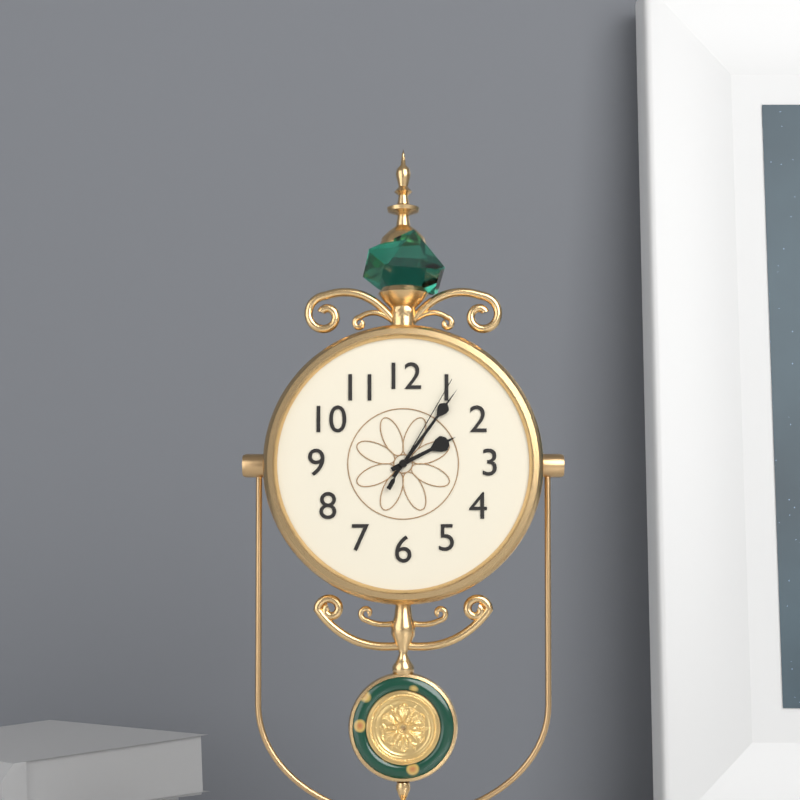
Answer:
**2:06:05**
